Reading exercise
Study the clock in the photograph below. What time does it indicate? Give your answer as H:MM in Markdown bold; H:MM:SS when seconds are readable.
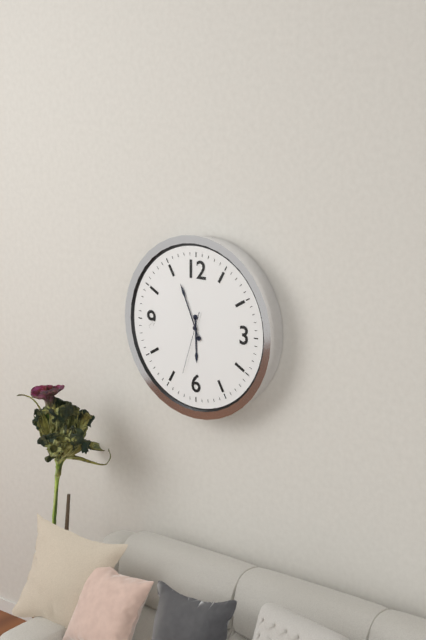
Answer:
**5:56:33**
